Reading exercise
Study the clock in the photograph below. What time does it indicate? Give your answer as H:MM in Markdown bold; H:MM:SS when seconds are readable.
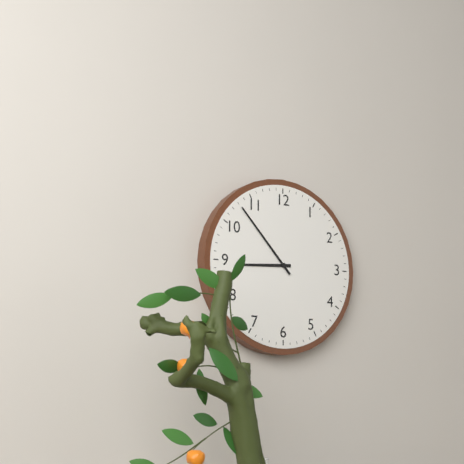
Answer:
**8:53**
